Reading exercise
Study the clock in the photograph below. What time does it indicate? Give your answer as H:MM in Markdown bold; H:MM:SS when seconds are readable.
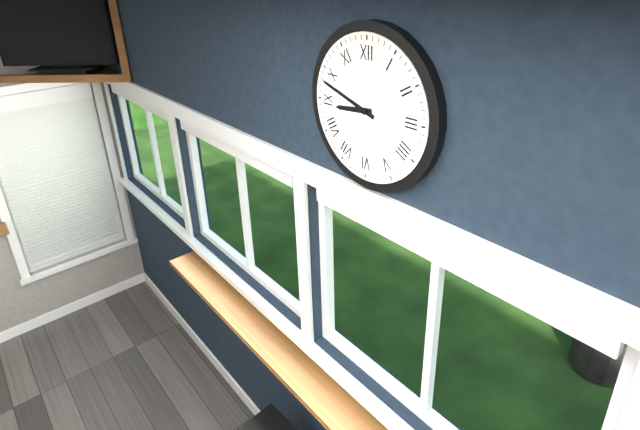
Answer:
**8:48**
